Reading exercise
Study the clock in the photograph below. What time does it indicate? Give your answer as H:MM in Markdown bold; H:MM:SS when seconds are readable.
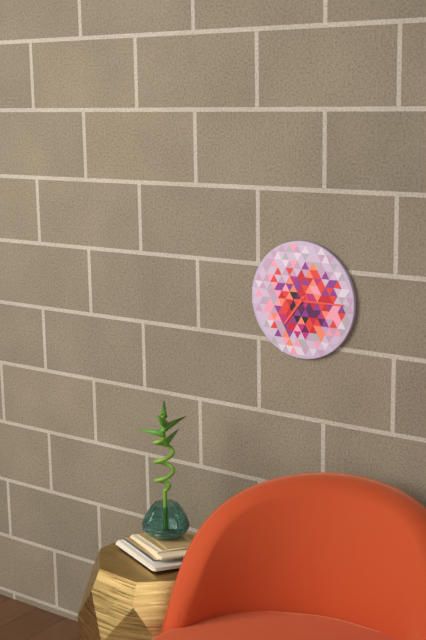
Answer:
**7:15**
